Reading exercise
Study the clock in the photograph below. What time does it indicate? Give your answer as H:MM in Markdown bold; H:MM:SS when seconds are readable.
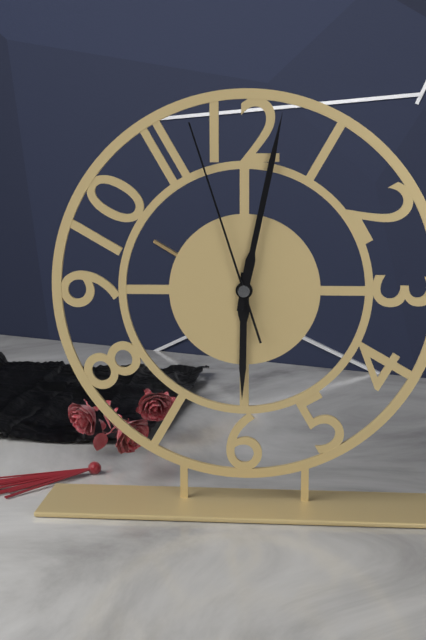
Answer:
**6:02:57**
